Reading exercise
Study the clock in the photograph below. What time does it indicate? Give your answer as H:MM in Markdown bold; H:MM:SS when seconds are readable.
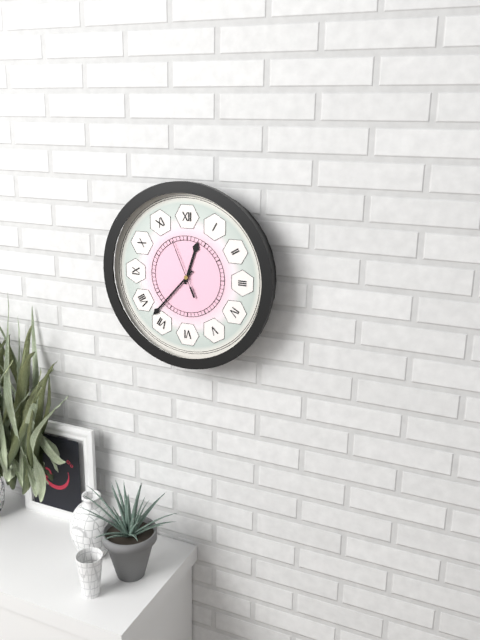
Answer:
**12:37**
